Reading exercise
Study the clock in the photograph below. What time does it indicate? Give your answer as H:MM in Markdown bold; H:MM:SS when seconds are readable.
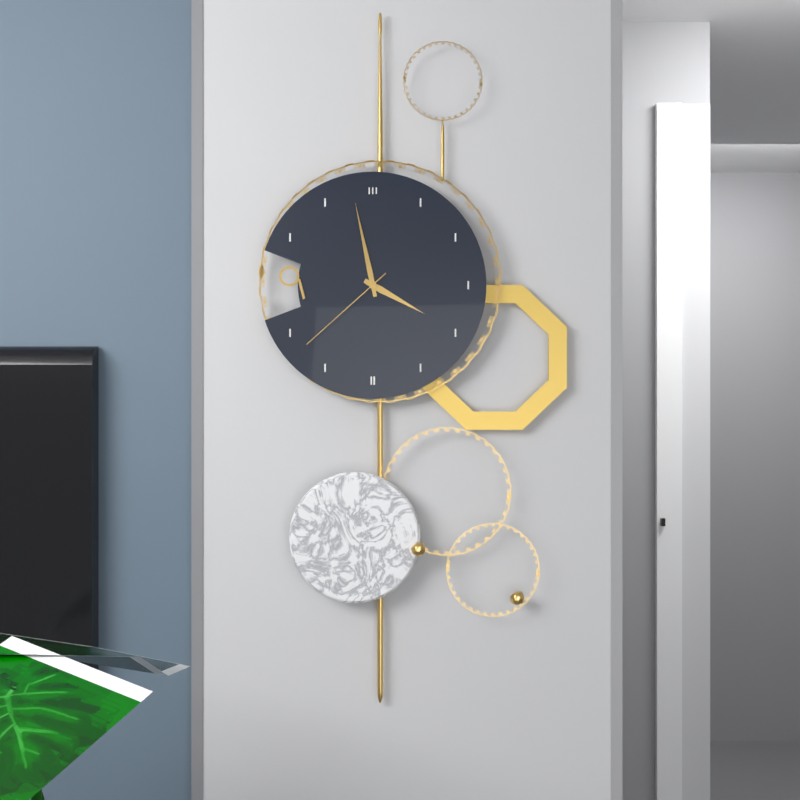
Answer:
**3:58:38**
